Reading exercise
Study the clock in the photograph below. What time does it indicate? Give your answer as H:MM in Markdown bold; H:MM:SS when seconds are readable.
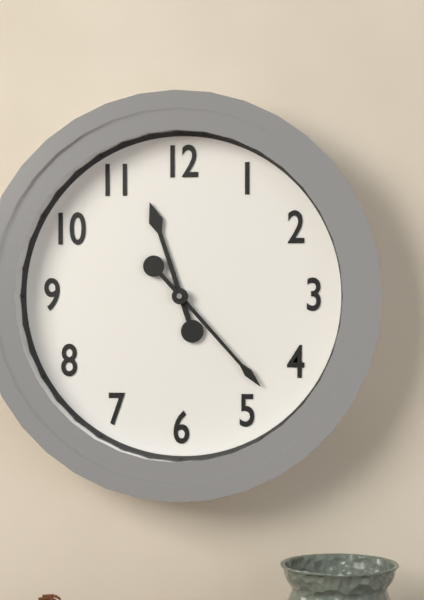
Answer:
**11:23**
